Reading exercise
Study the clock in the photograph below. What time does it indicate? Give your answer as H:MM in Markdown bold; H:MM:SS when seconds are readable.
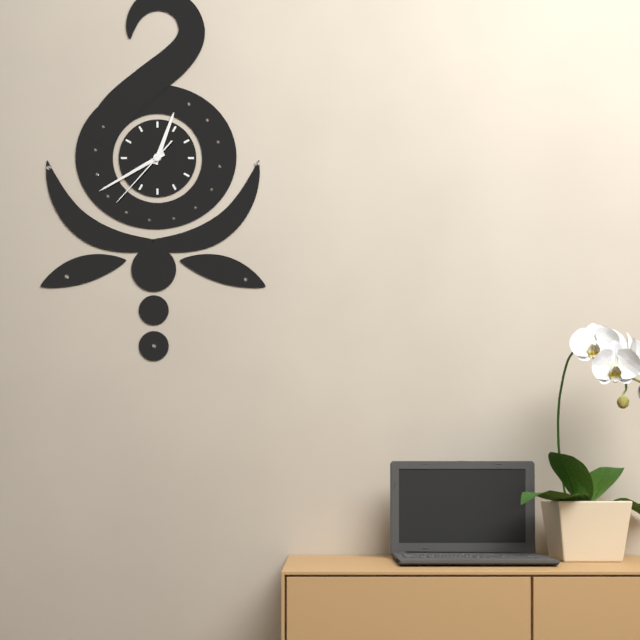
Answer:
**12:40:37**
